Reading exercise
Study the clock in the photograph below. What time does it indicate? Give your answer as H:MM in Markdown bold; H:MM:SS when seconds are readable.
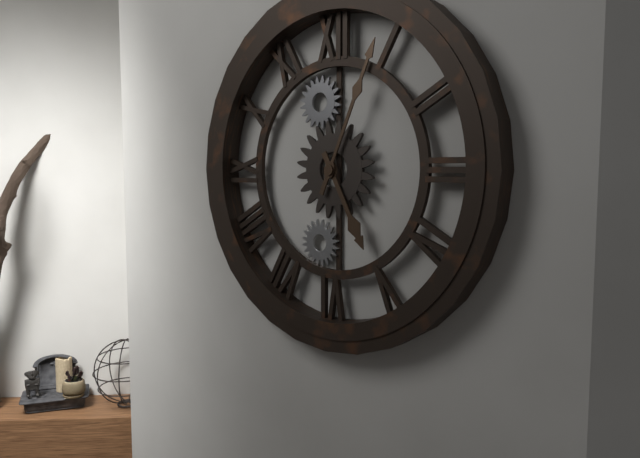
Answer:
**5:04**
